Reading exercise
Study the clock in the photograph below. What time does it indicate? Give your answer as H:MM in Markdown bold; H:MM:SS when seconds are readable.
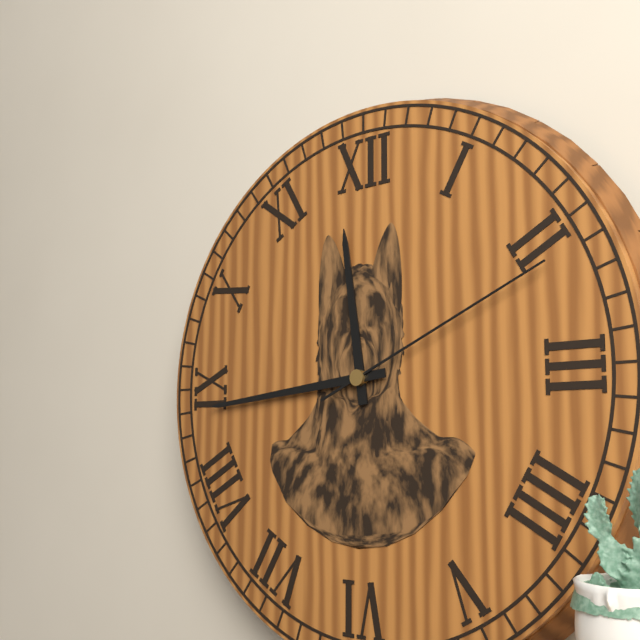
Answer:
**11:44:11**
